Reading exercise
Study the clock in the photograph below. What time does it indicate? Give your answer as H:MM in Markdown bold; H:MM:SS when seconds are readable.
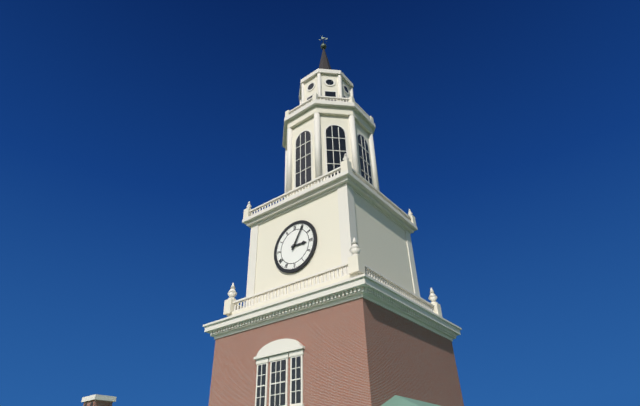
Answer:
**3:05**
